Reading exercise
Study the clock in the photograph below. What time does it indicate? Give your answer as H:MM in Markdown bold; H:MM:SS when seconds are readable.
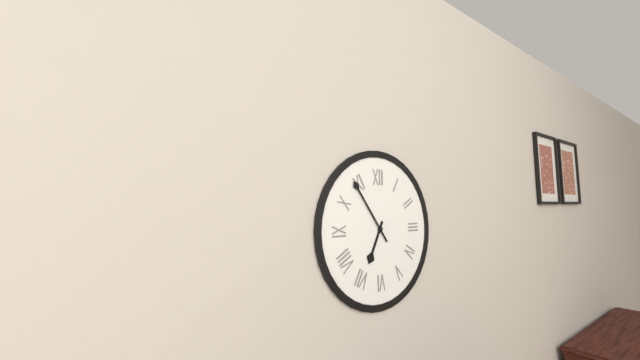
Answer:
**6:54**
